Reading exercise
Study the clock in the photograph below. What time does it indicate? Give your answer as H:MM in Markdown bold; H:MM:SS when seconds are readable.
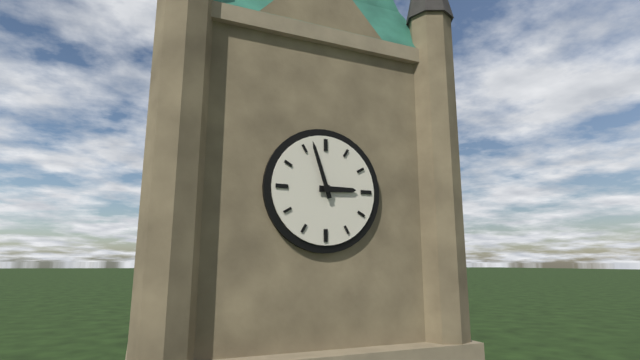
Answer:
**2:57**
